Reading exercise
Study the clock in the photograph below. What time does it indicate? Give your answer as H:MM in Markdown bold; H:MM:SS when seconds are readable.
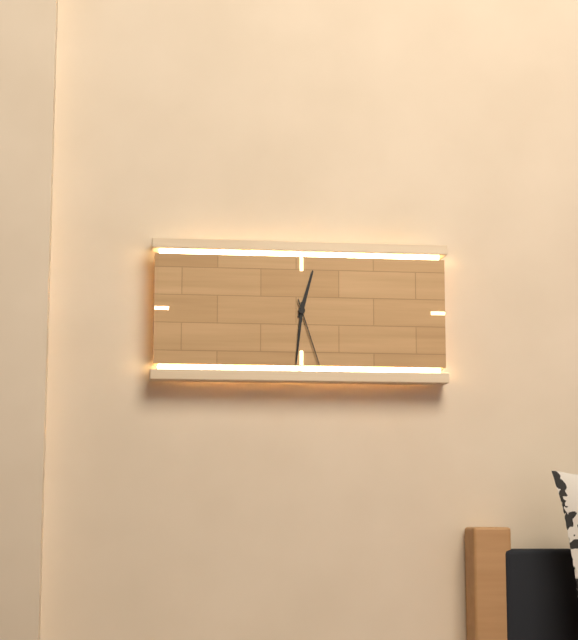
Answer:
**12:31:27**
